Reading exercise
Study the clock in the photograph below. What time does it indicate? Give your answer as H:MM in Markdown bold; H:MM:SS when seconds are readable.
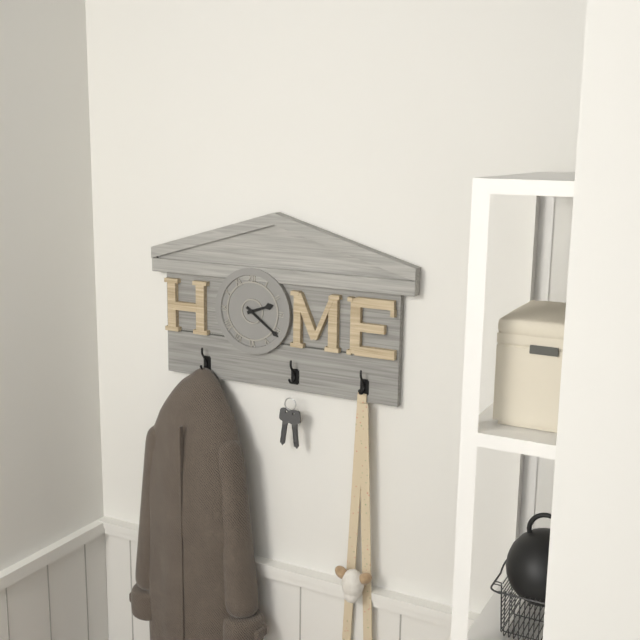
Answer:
**2:21**
